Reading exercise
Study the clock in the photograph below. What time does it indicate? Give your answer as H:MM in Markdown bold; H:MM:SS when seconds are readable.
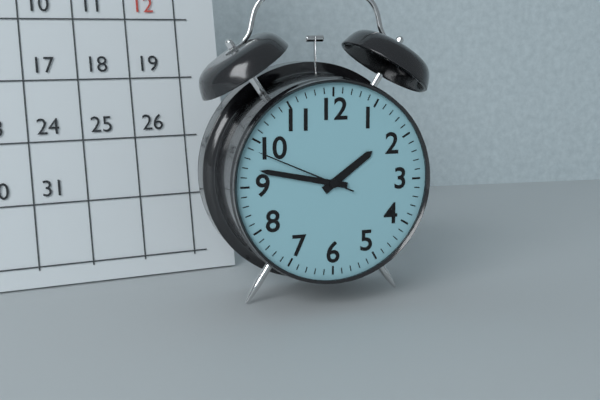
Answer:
**1:47:49**
